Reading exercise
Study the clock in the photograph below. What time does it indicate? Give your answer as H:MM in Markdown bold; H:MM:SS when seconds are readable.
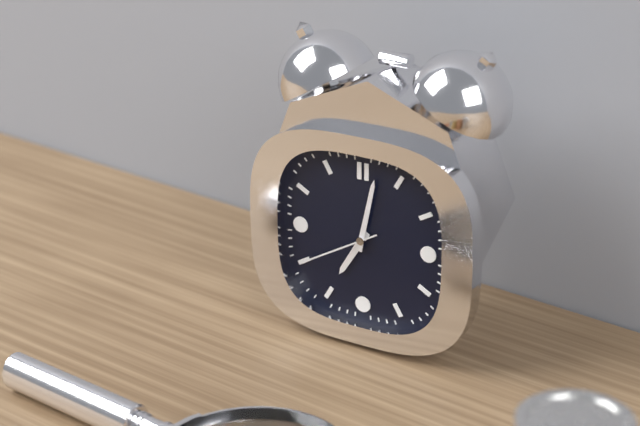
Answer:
**7:02:40**
